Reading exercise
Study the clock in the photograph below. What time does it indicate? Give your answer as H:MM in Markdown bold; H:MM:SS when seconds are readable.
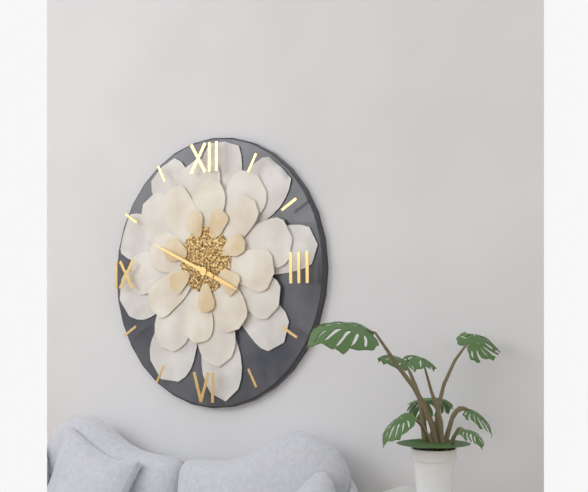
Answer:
**3:49**
